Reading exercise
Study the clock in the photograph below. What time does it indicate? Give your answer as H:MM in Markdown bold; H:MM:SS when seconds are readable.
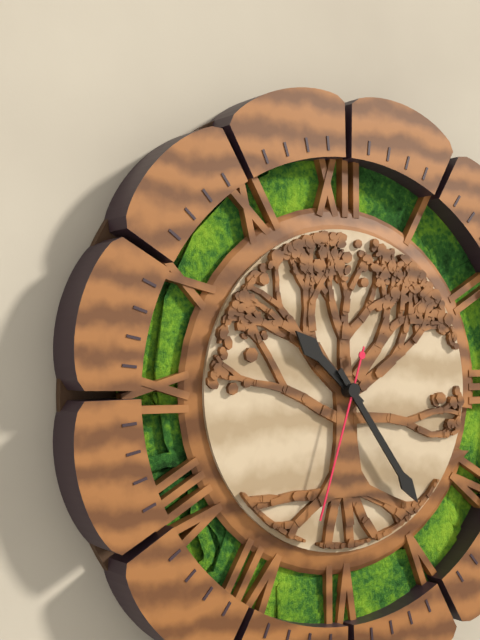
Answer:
**10:24:33**
